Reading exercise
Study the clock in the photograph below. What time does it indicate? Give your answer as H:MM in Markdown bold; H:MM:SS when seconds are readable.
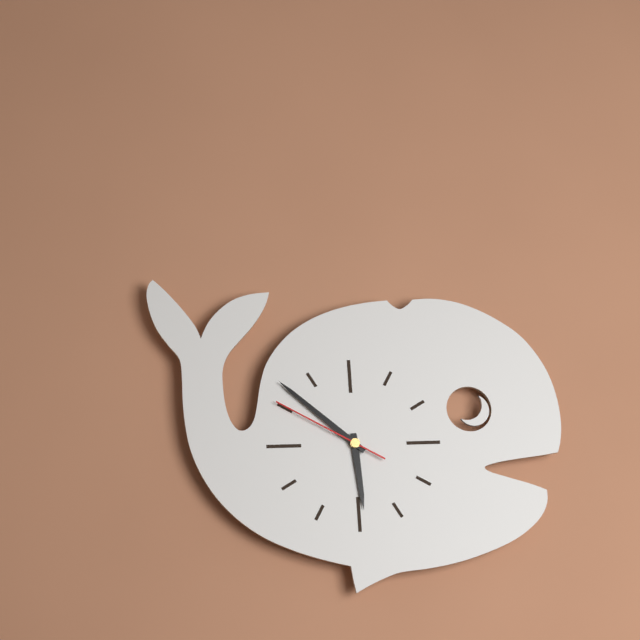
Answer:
**5:52:50**
